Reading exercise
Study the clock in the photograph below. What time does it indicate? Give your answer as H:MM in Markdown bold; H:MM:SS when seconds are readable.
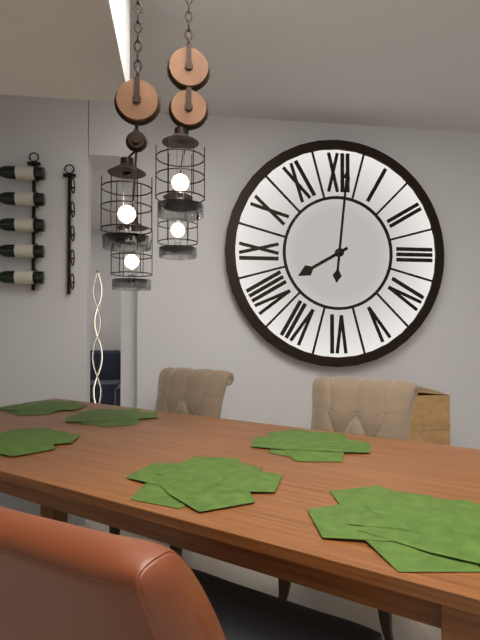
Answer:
**8:01**
